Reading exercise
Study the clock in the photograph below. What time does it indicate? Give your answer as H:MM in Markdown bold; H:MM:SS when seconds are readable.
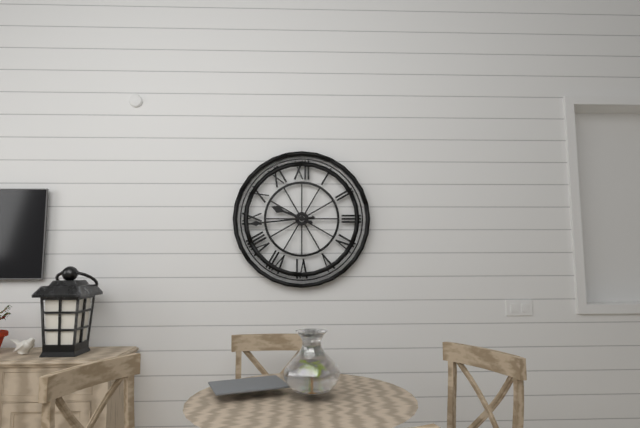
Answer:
**9:44**
